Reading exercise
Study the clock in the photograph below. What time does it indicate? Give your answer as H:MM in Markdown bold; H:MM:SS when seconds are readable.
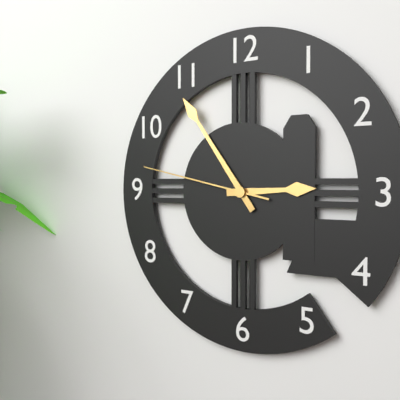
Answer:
**2:54:47**
